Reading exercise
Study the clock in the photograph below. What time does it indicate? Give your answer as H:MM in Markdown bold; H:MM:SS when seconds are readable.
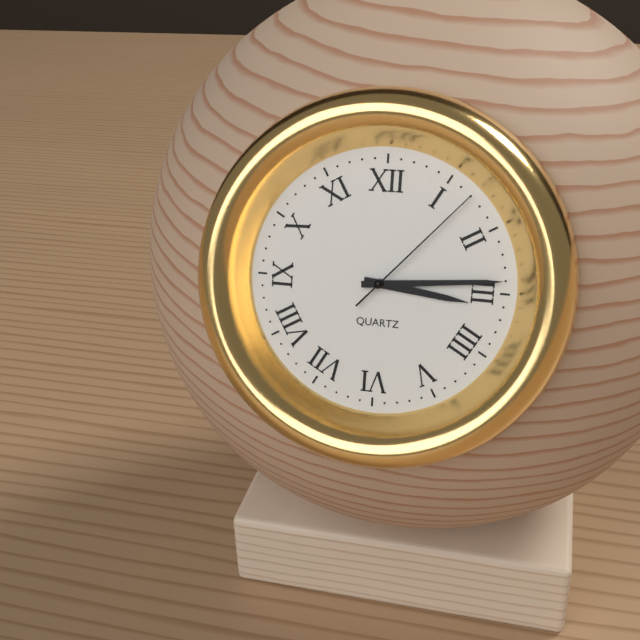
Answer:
**3:14:07**
